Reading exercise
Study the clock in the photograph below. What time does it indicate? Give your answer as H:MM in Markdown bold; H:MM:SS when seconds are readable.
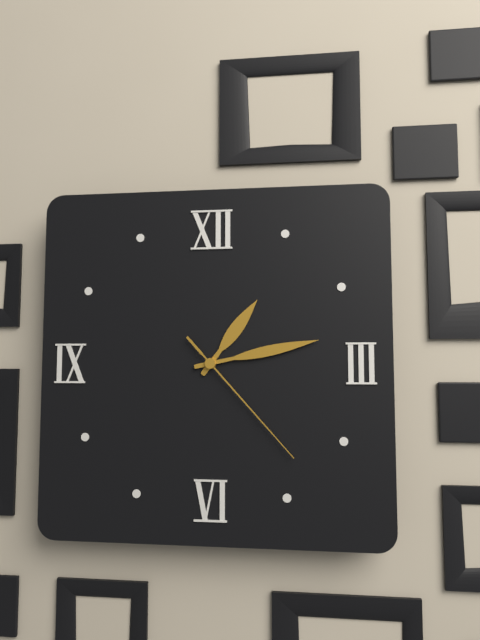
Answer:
**1:13:23**
